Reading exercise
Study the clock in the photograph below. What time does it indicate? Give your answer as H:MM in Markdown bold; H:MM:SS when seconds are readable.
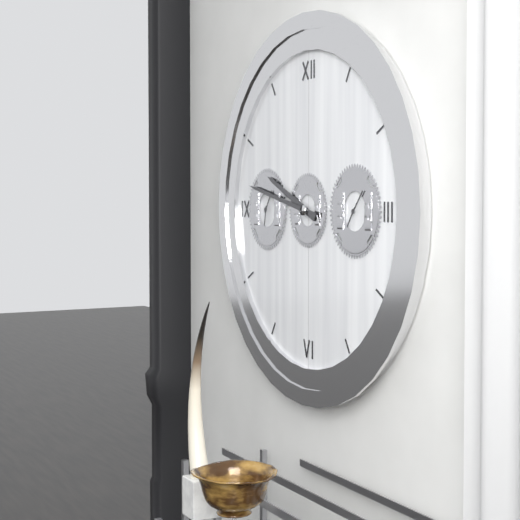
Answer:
**9:47**
